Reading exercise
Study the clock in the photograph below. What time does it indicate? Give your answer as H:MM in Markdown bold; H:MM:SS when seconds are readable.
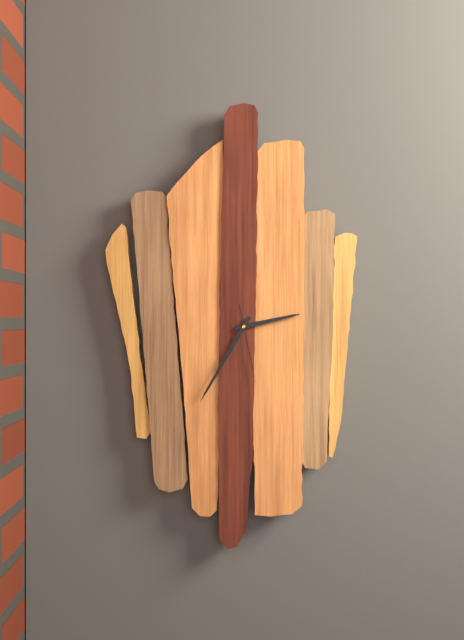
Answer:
**2:35:28**
